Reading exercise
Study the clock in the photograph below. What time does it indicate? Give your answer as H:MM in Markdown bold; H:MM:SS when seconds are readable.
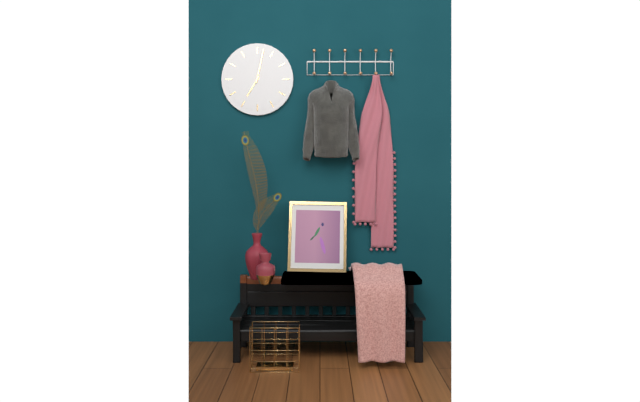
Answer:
**7:02**
